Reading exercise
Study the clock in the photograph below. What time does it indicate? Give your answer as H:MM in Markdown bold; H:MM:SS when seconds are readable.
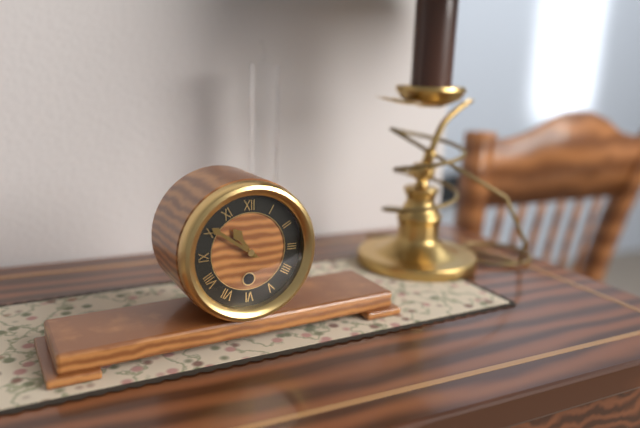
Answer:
**10:51**
